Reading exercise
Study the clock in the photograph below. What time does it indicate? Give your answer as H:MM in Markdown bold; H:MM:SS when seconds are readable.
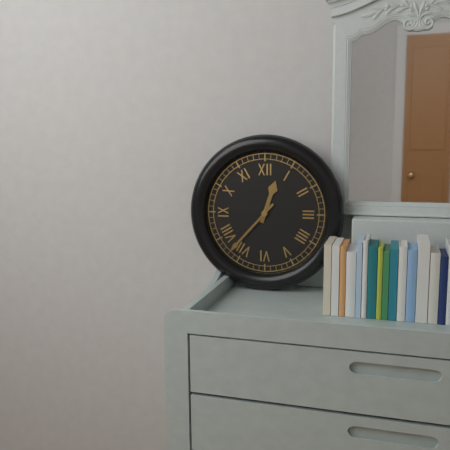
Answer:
**12:37**
